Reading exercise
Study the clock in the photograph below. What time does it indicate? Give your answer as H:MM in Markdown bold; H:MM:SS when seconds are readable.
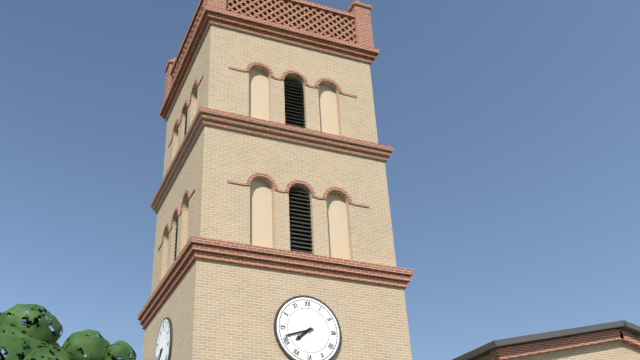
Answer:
**7:42**
